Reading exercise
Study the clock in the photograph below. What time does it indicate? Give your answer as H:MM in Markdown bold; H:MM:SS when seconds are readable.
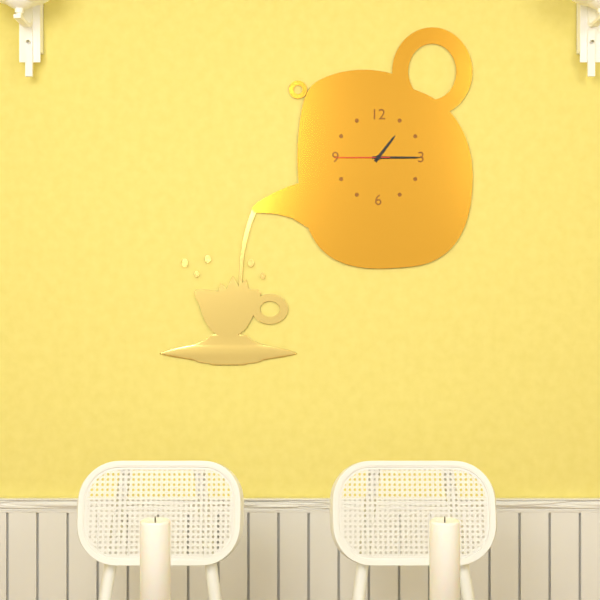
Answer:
**1:15:45**
